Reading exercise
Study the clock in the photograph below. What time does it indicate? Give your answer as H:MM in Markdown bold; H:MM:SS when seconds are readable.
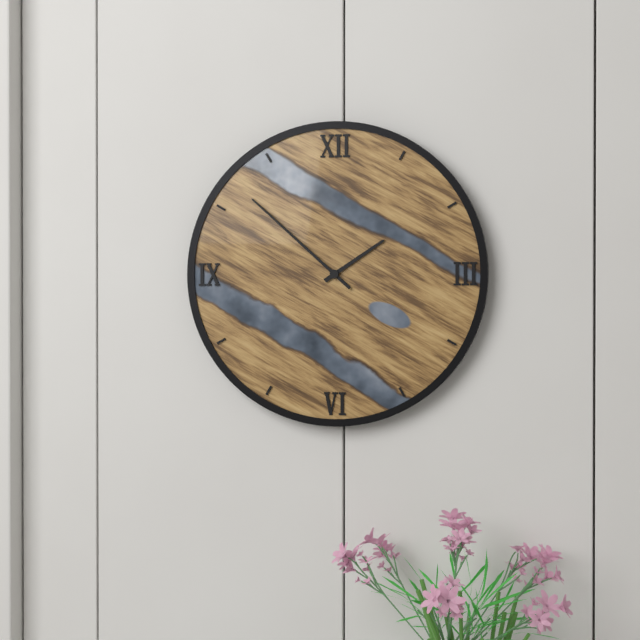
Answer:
**1:52**
